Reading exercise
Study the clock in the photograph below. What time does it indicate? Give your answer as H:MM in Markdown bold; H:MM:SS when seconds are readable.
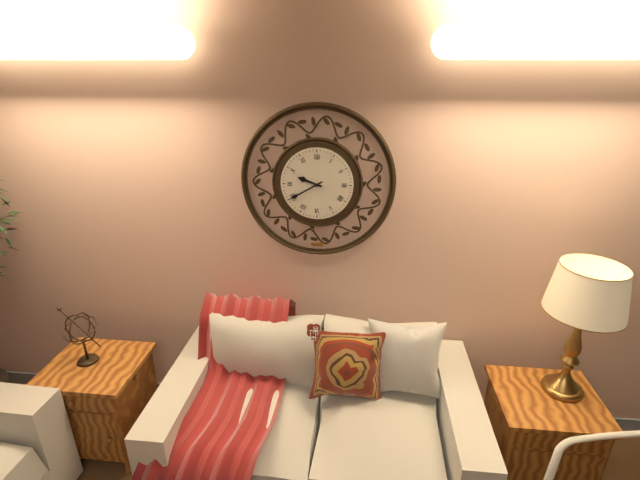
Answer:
**9:40**
